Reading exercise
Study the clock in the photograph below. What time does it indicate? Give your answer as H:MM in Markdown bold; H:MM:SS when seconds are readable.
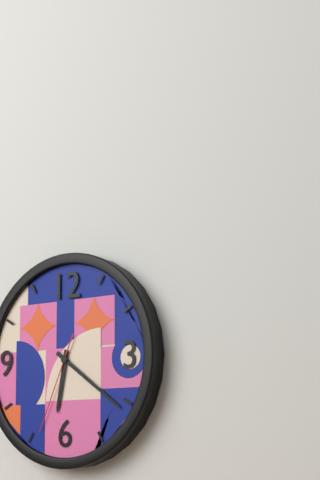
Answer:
**6:21:34**
